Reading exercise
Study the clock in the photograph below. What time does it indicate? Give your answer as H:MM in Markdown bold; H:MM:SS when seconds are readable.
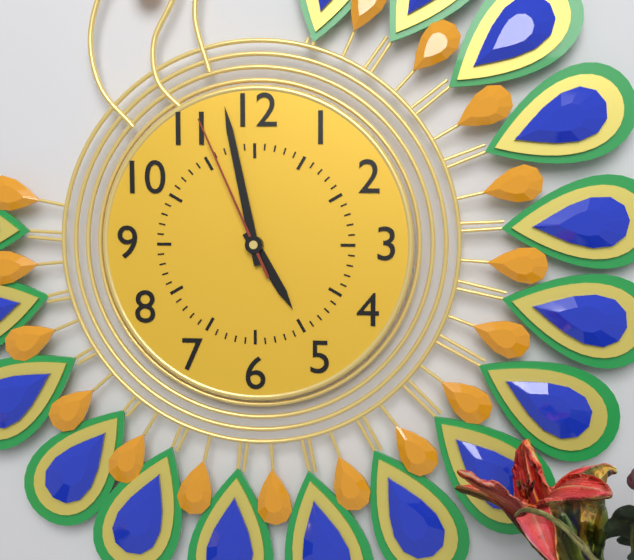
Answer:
**4:58:56**
